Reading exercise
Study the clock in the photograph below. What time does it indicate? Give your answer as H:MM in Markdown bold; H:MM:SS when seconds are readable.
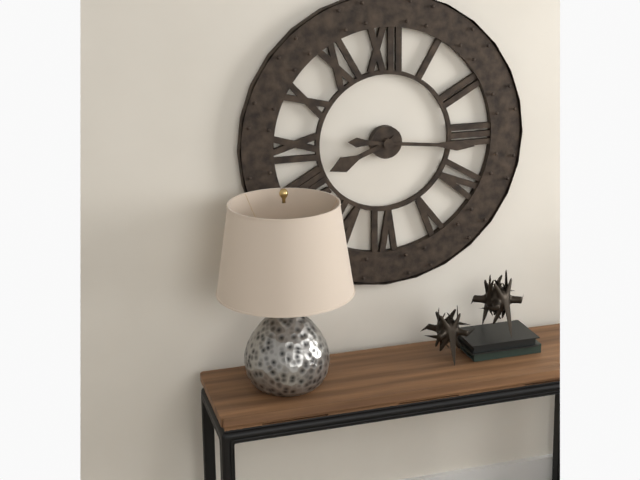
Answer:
**8:16**
